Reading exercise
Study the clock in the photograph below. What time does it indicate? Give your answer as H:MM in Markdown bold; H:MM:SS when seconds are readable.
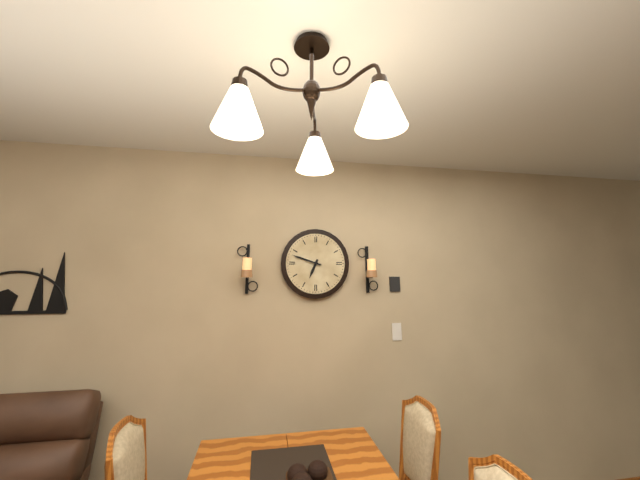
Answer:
**6:48**
